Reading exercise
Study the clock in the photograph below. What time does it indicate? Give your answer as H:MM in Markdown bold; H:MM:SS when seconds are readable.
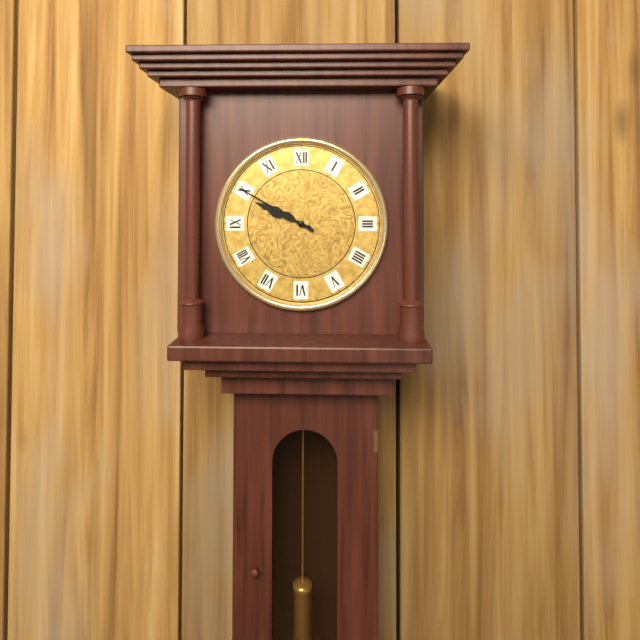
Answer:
**9:50**
